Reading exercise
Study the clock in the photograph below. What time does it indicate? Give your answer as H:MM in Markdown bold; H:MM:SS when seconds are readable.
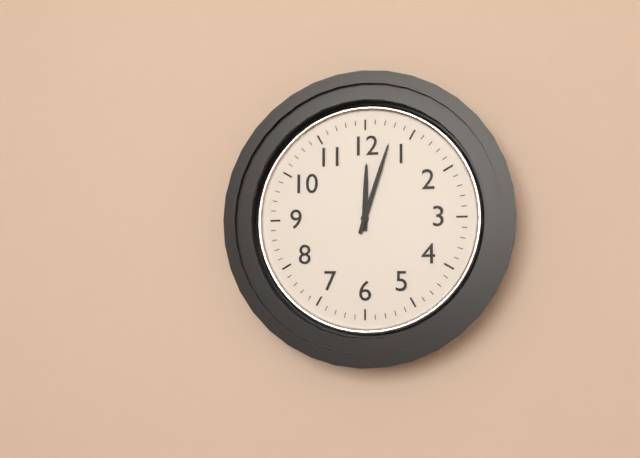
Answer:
**12:03**
